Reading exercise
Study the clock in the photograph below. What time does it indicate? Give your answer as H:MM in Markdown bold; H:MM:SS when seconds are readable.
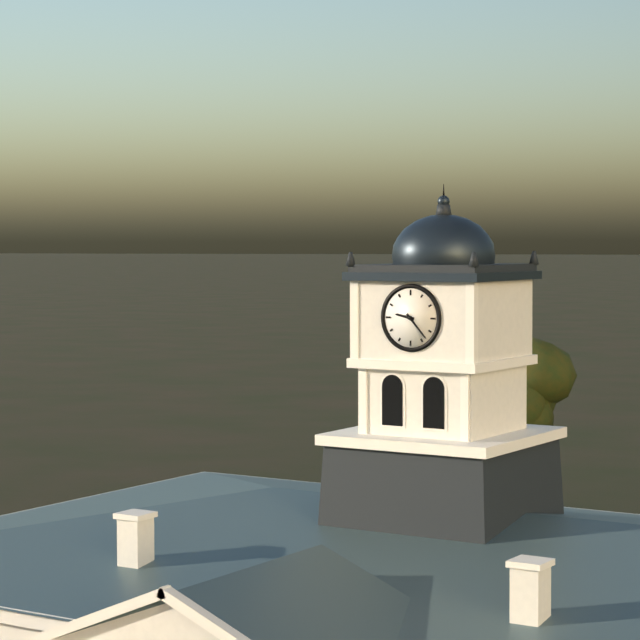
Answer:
**9:23**
